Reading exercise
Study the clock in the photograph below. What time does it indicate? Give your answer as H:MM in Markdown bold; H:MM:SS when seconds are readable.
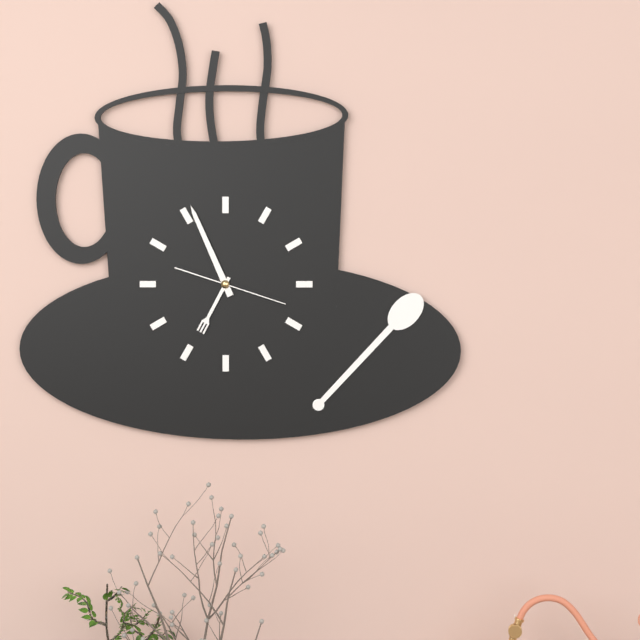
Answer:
**6:56:18**
